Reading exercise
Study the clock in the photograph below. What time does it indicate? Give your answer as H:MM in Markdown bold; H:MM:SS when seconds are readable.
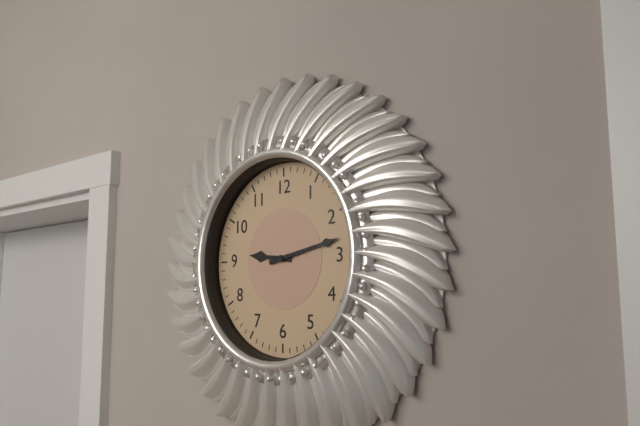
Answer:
**9:13**
